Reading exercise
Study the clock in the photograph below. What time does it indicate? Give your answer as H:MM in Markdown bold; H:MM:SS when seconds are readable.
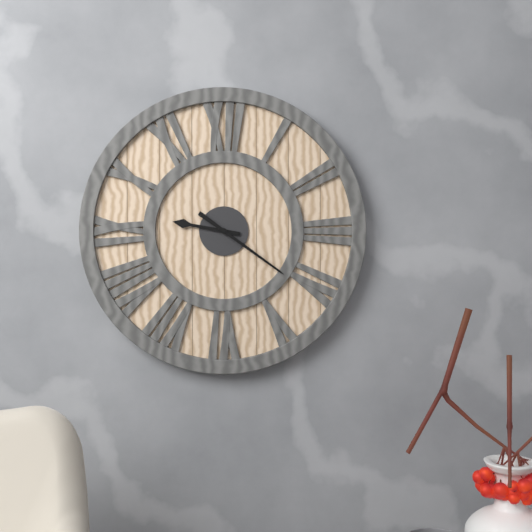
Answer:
**9:21**
